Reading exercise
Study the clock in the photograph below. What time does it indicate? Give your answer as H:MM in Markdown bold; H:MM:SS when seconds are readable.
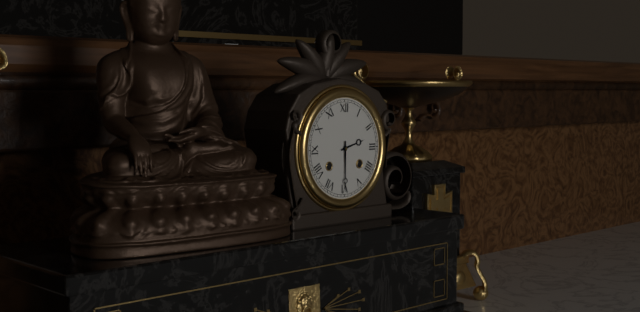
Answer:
**2:30**
